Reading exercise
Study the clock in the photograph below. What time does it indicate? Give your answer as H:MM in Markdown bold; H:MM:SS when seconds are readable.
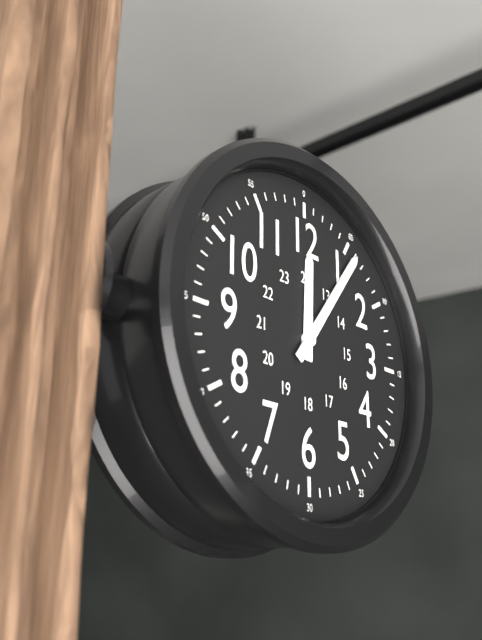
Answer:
**12:06**
